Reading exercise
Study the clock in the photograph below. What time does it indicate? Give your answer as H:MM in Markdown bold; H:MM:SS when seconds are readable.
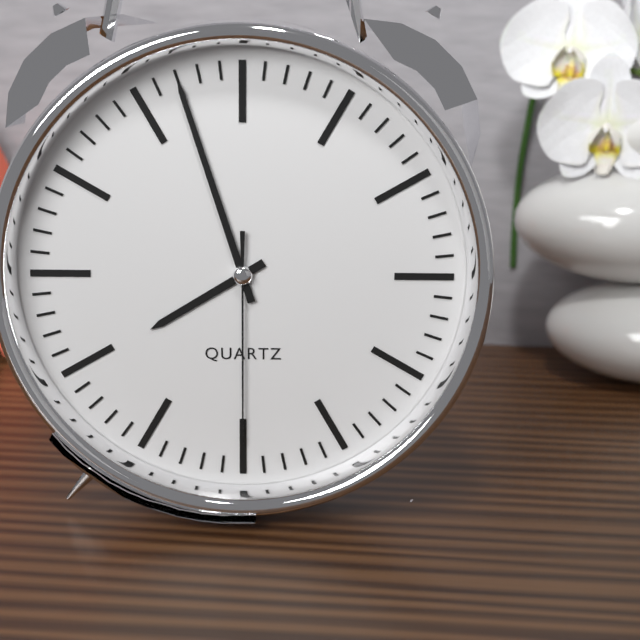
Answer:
**7:57:30**
